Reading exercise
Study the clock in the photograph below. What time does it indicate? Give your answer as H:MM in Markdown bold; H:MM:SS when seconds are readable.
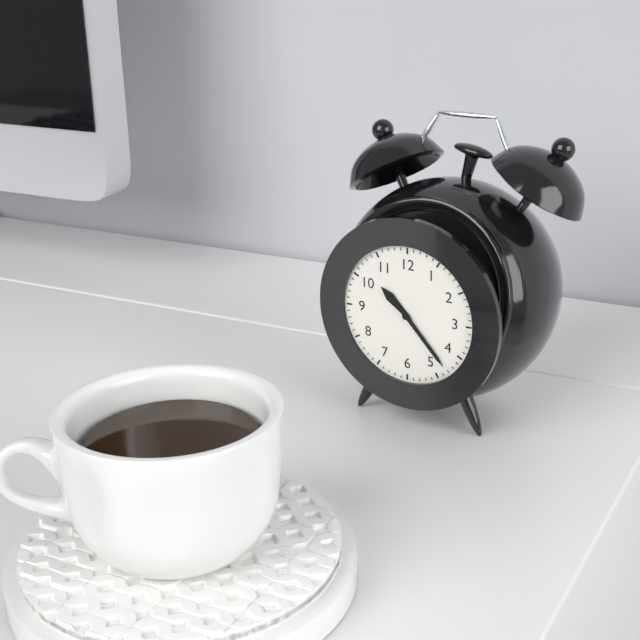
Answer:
**10:23**
